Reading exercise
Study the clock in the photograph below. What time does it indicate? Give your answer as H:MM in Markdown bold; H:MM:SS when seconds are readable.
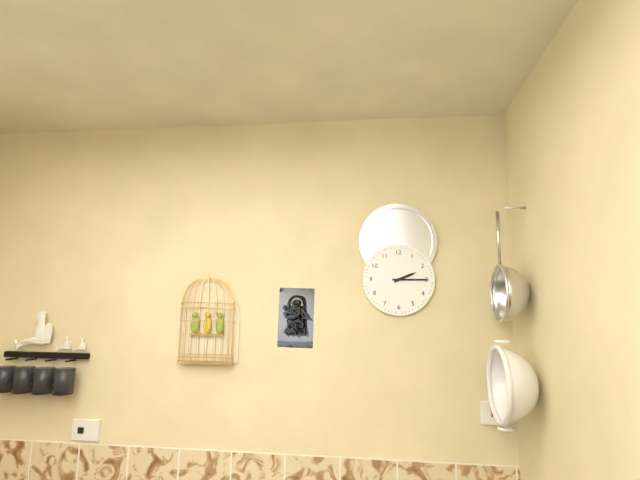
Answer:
**2:15**
